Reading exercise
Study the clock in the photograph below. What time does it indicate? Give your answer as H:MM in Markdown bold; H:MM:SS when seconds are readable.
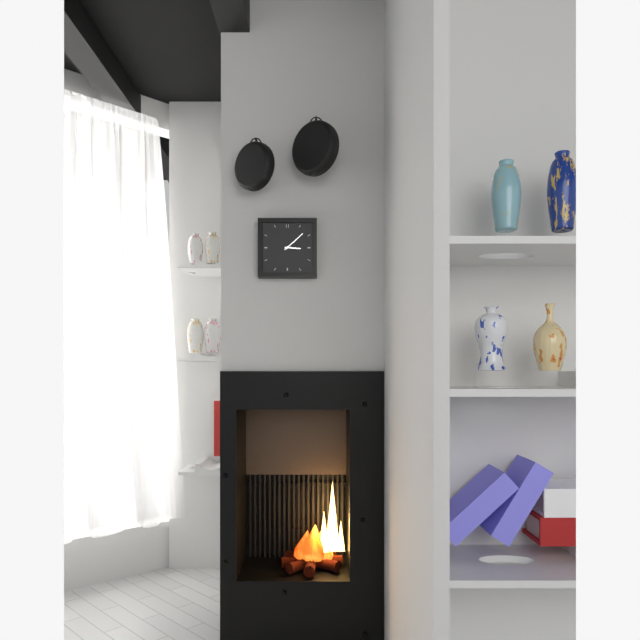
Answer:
**3:08**
